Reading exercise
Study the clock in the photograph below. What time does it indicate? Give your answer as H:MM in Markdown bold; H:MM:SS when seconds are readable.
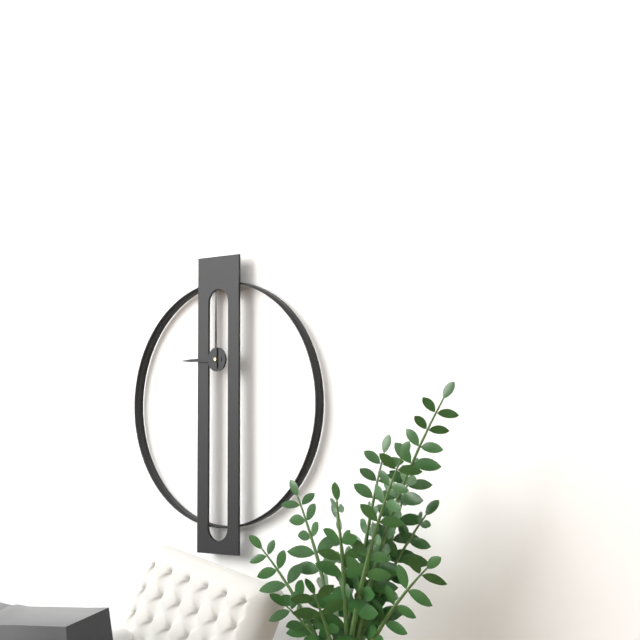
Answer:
**9:00**
